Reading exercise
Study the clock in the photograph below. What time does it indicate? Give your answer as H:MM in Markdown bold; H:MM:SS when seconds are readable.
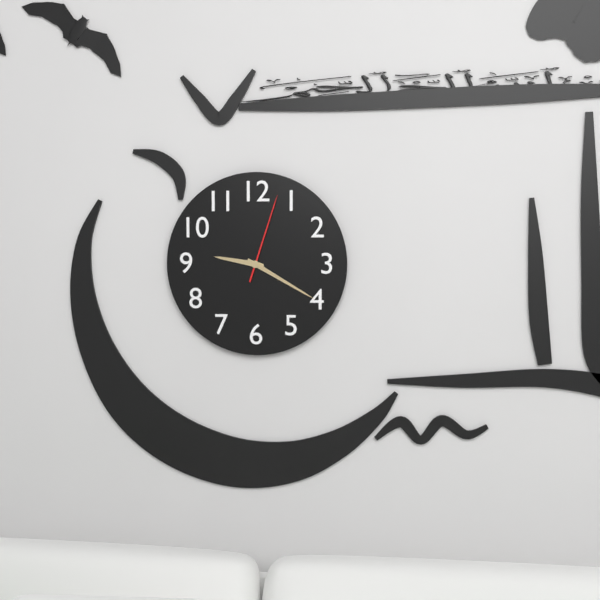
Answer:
**9:20:03**
